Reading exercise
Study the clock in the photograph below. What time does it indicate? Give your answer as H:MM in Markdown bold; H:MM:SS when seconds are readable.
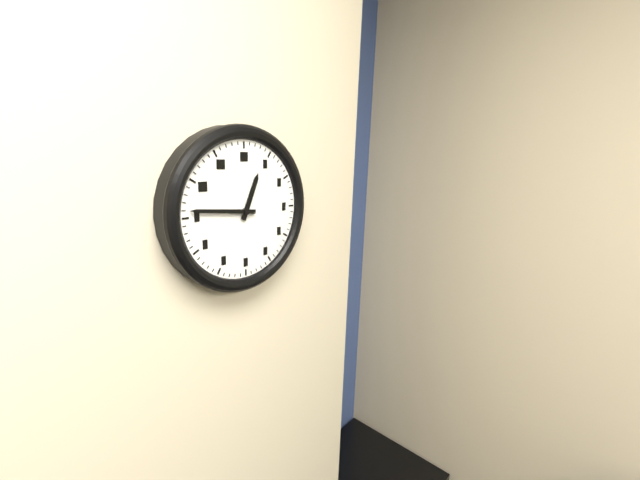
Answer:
**12:46**
